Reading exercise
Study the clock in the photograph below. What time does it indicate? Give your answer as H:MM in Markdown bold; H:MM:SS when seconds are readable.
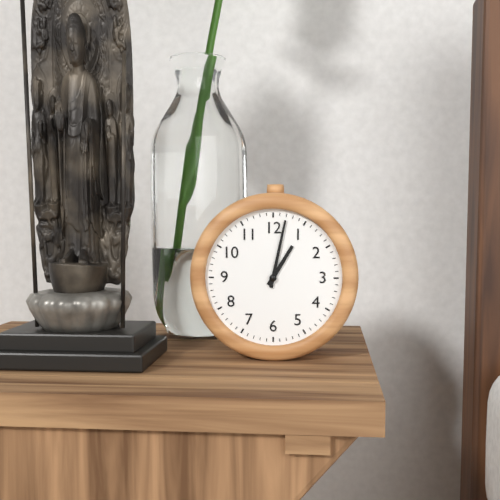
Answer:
**1:02**
